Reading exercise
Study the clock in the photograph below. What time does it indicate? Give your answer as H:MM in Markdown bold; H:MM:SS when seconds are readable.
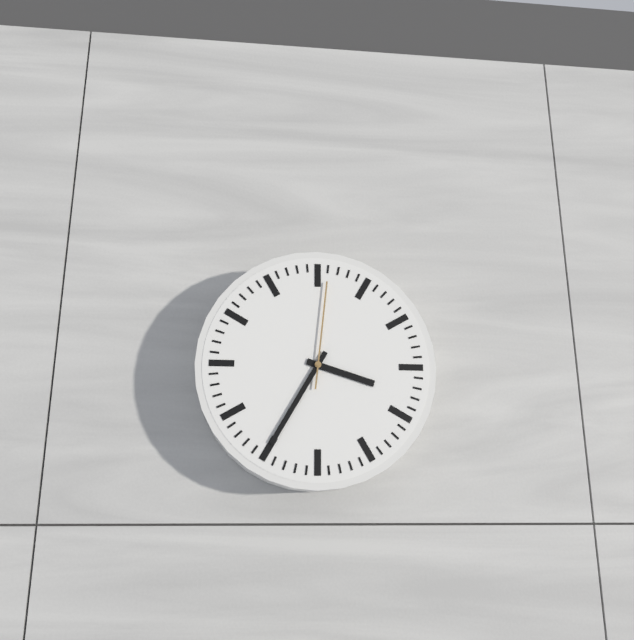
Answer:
**3:35:01**
